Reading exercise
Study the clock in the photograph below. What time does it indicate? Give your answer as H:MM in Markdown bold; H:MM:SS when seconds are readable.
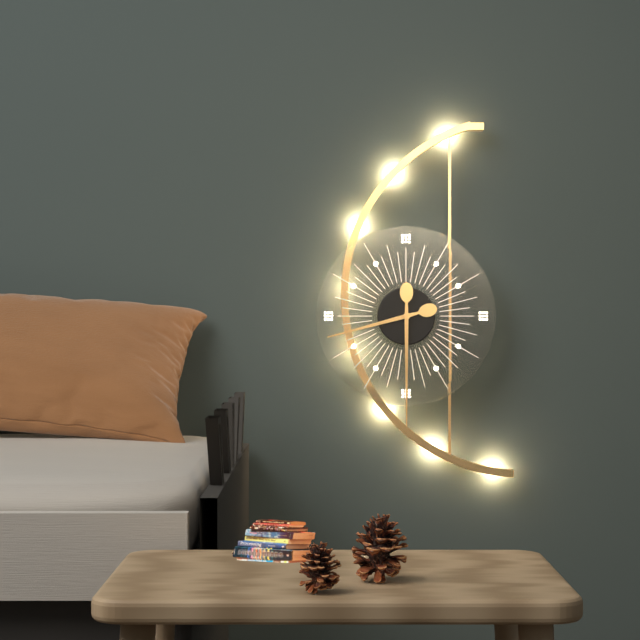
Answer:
**8:30**
